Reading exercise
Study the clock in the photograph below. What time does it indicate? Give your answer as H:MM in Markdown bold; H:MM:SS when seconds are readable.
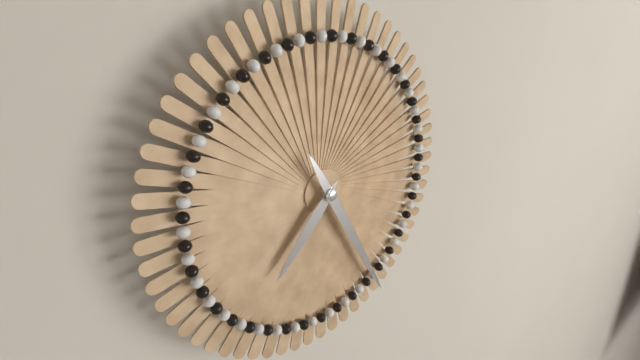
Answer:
**7:25**
